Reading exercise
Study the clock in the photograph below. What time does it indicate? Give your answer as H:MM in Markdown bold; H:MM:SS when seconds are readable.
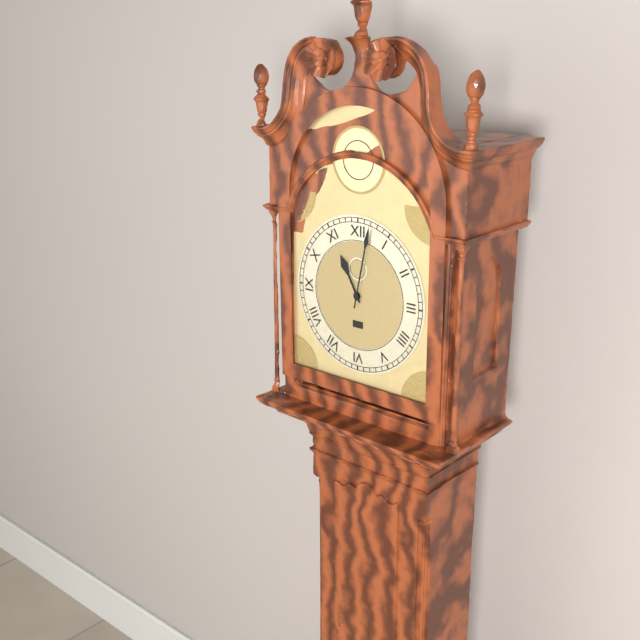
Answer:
**11:02**
